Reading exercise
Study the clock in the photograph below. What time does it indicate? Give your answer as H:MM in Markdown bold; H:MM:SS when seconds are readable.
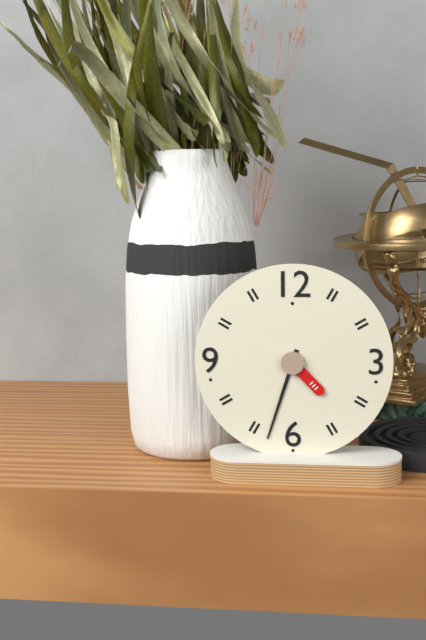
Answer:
**4:33**
